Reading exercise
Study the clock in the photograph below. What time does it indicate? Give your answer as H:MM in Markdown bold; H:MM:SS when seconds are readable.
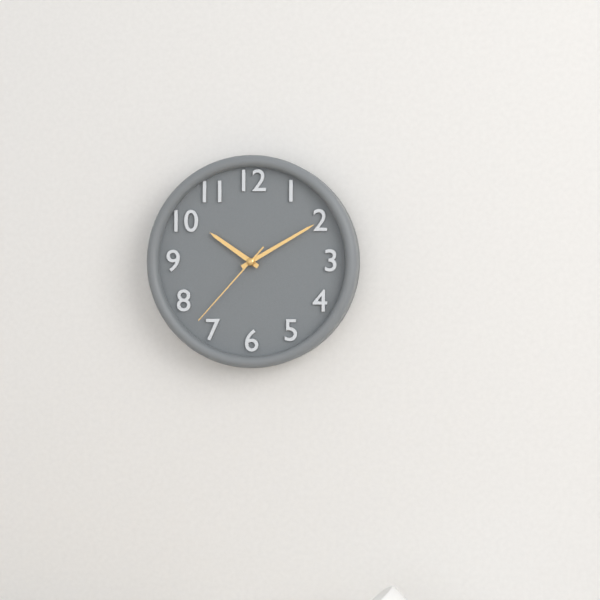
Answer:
**10:10:37**
